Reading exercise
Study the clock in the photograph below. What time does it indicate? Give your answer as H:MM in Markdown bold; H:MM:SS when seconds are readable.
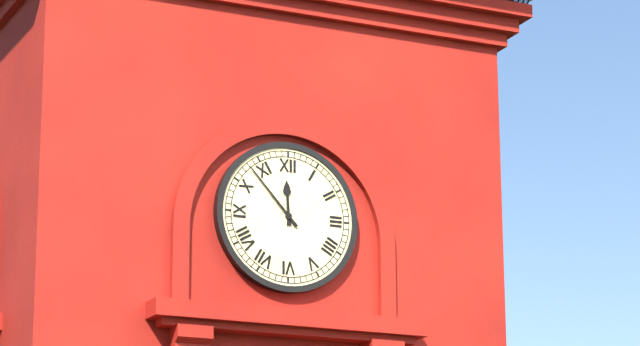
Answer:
**11:53**
